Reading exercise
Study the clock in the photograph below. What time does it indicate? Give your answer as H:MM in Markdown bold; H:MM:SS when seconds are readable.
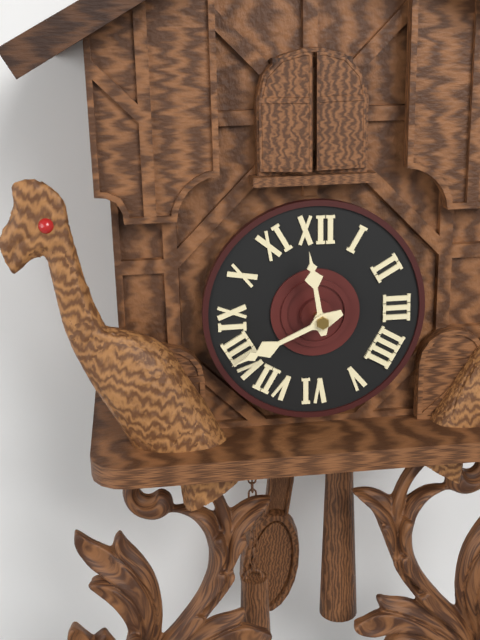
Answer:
**11:41**
